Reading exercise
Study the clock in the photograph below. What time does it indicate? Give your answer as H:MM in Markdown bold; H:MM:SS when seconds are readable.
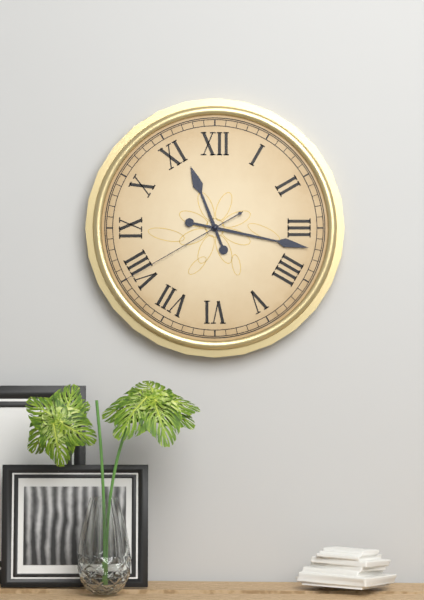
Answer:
**11:17:40**
